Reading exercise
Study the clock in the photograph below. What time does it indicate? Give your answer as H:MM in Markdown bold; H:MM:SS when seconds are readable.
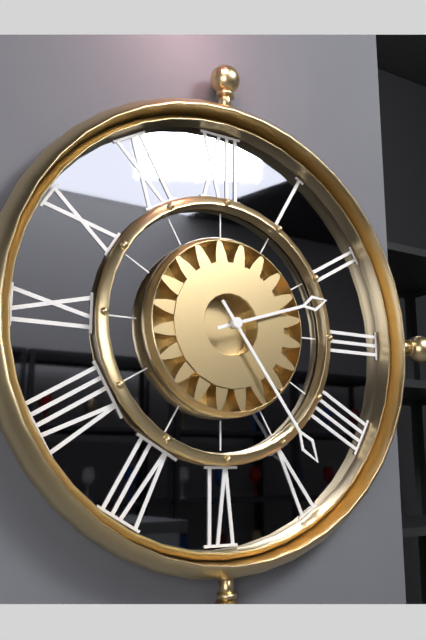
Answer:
**2:24**
